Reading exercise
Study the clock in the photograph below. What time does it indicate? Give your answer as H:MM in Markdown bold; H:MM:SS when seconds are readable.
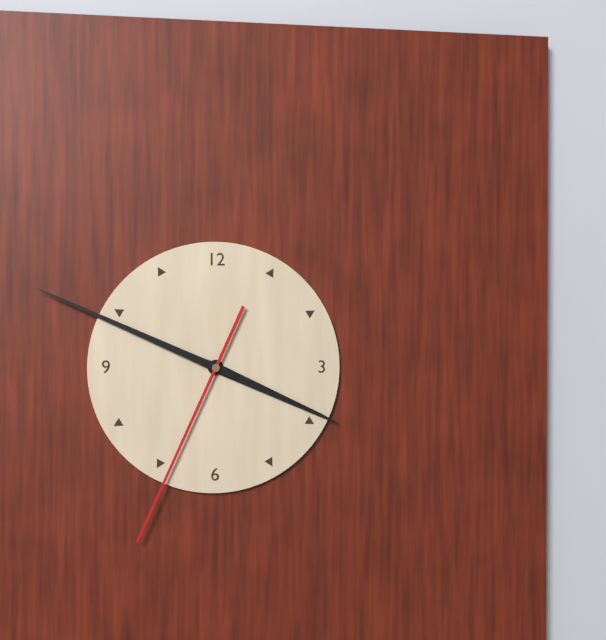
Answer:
**3:49:34**
